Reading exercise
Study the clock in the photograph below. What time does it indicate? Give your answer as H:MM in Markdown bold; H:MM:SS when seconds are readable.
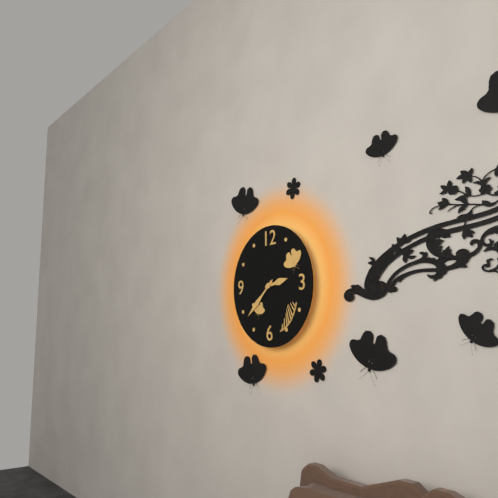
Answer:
**2:38**
